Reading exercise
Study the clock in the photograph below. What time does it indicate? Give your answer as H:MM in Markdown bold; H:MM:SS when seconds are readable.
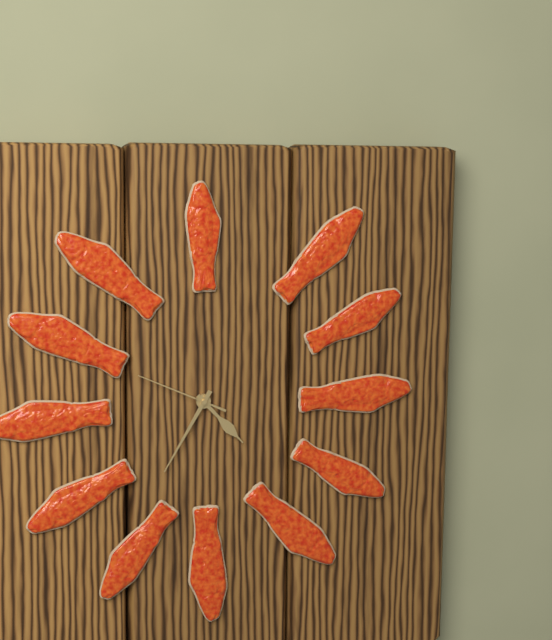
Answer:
**4:35:49**
